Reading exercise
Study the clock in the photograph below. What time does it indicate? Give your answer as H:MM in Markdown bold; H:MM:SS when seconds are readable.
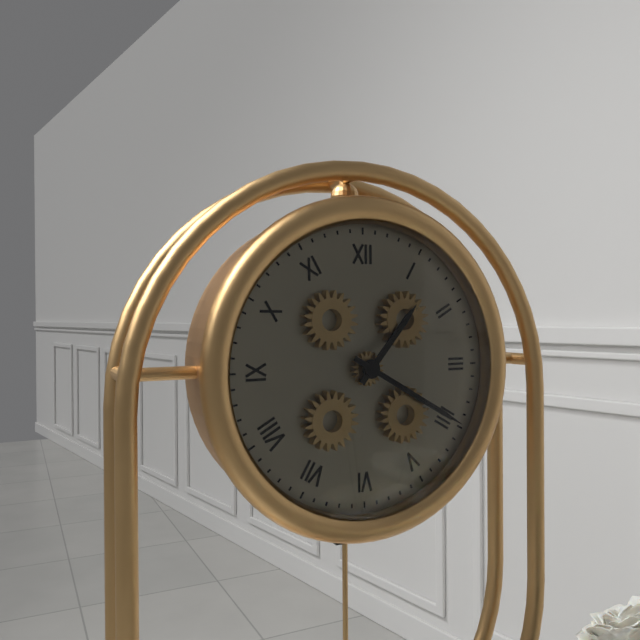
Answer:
**1:20**
